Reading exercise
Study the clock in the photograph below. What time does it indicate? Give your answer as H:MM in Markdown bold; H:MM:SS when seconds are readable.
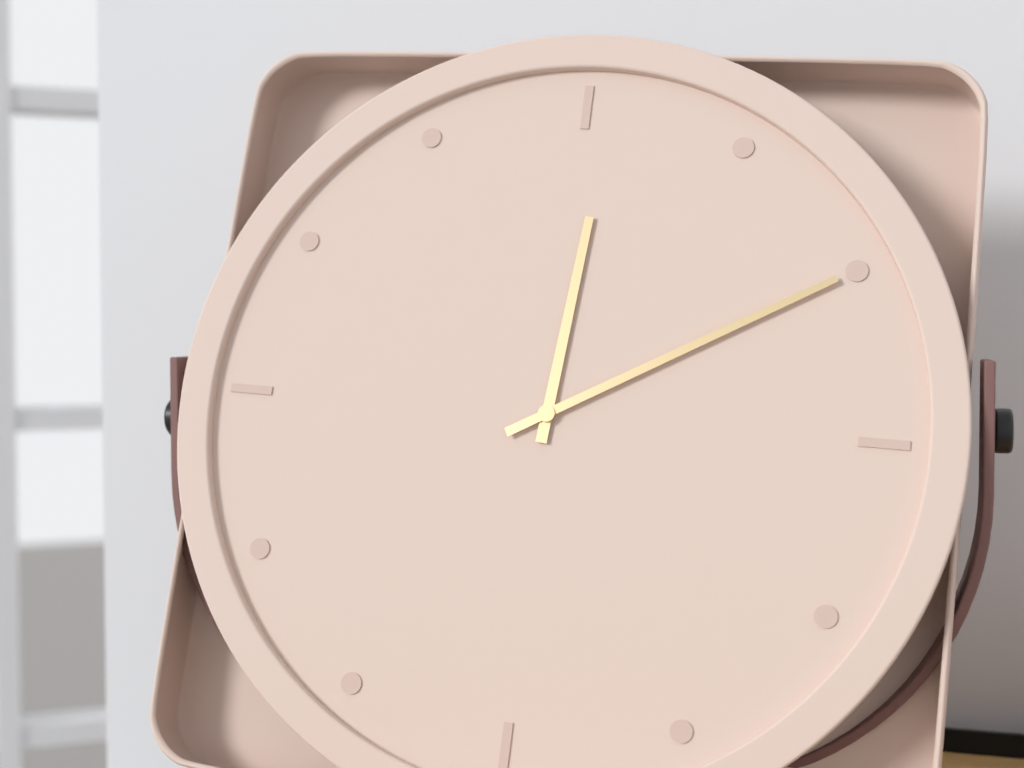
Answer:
**12:10**
